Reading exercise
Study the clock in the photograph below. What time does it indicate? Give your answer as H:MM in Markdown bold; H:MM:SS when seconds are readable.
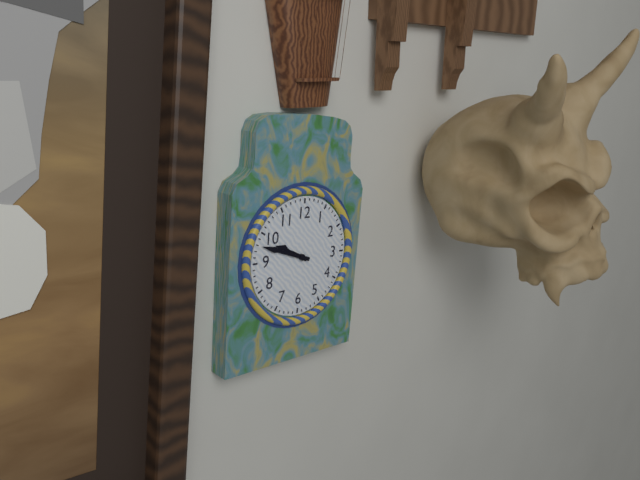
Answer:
**9:48**
